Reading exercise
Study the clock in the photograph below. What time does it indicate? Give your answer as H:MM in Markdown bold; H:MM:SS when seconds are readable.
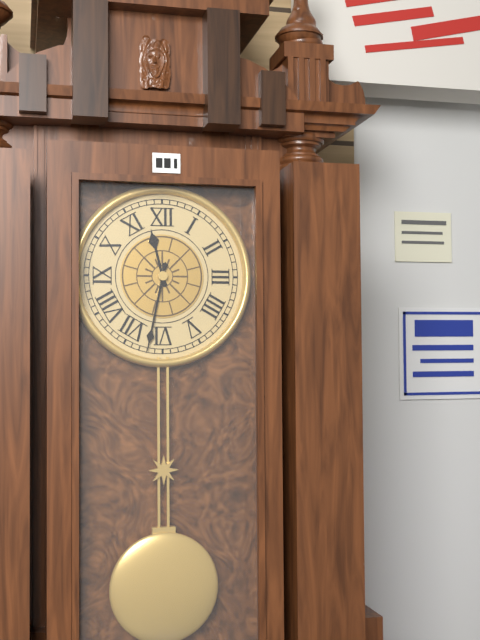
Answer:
**11:32**
